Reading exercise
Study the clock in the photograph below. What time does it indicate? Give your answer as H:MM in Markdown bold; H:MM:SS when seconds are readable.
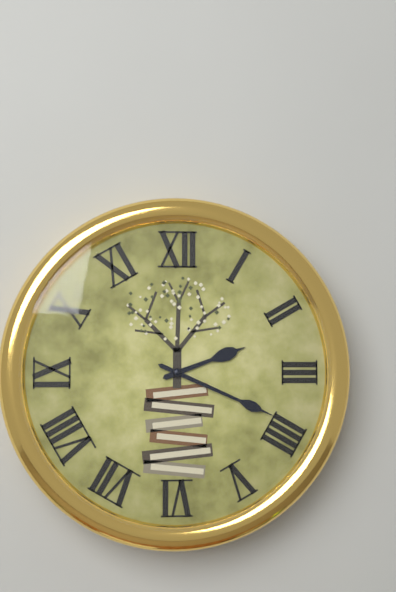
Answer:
**2:19**
